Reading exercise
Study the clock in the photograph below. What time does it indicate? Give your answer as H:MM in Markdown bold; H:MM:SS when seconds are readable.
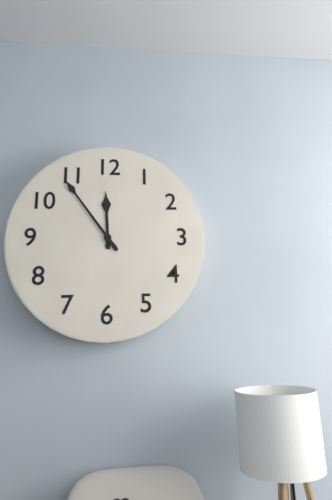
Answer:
**11:54**
